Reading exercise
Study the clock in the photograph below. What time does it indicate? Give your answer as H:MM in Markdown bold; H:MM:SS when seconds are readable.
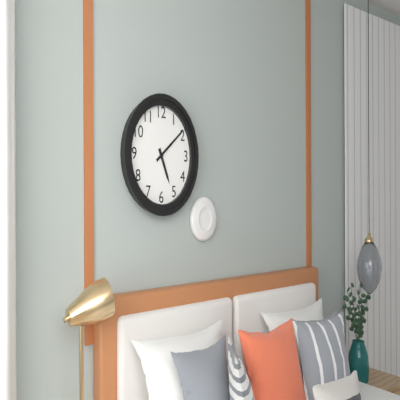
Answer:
**5:09**
